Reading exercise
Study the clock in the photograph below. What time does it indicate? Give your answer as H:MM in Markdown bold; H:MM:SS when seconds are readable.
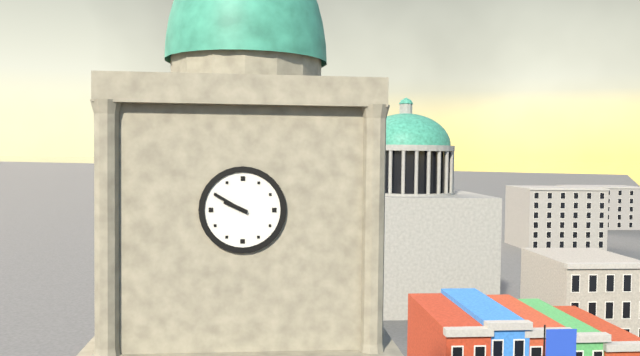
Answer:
**9:50**
